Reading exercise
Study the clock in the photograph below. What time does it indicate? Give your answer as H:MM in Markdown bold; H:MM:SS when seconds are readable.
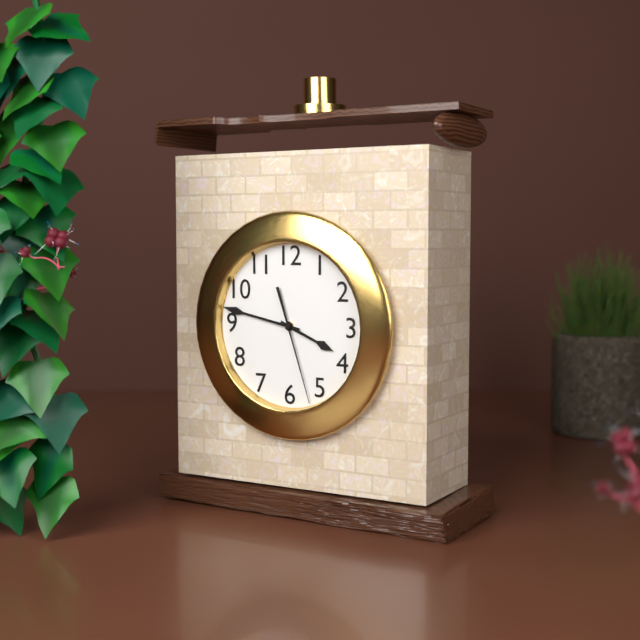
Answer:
**3:47:27**
